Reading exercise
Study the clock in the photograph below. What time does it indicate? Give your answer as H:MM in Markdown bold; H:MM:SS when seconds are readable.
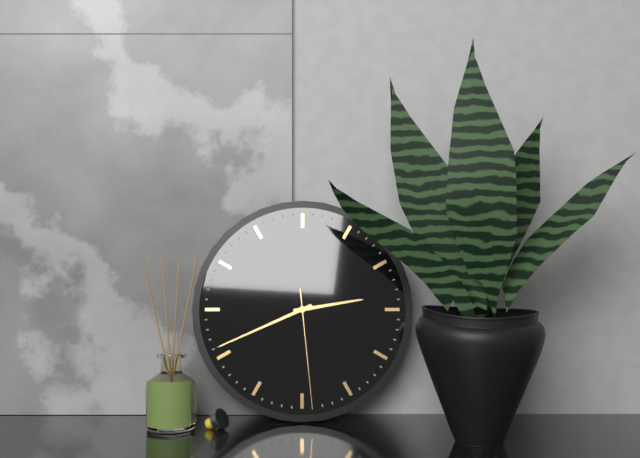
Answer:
**2:41:29**
